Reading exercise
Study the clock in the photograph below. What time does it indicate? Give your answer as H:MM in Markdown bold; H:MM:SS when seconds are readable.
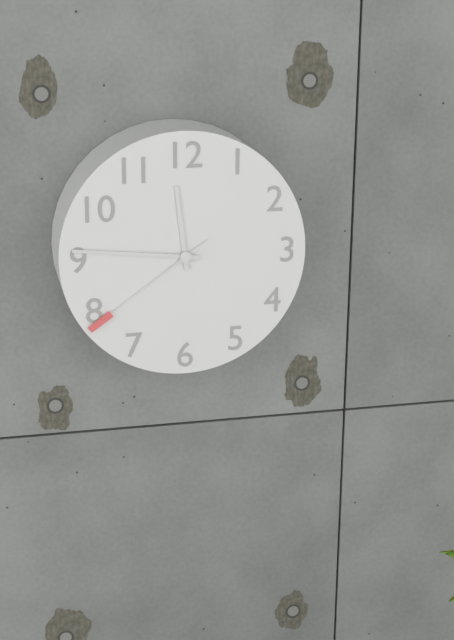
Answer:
**11:46:39**
